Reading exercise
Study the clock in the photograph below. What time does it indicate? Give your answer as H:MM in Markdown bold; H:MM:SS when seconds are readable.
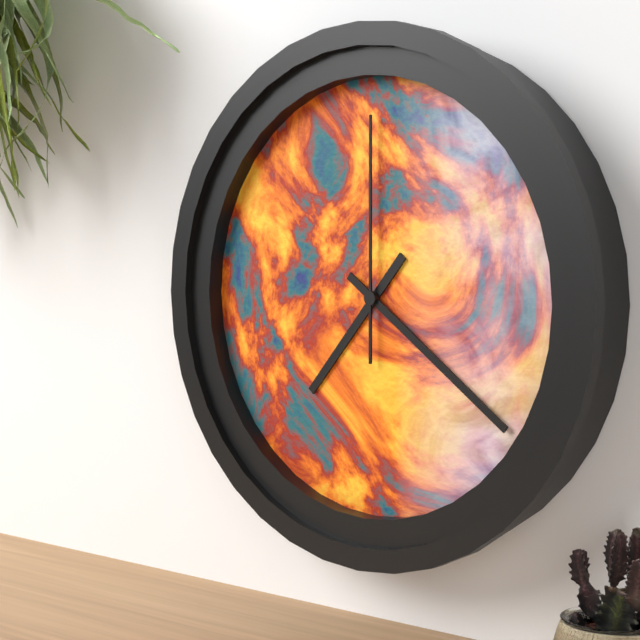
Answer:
**7:21:00**
